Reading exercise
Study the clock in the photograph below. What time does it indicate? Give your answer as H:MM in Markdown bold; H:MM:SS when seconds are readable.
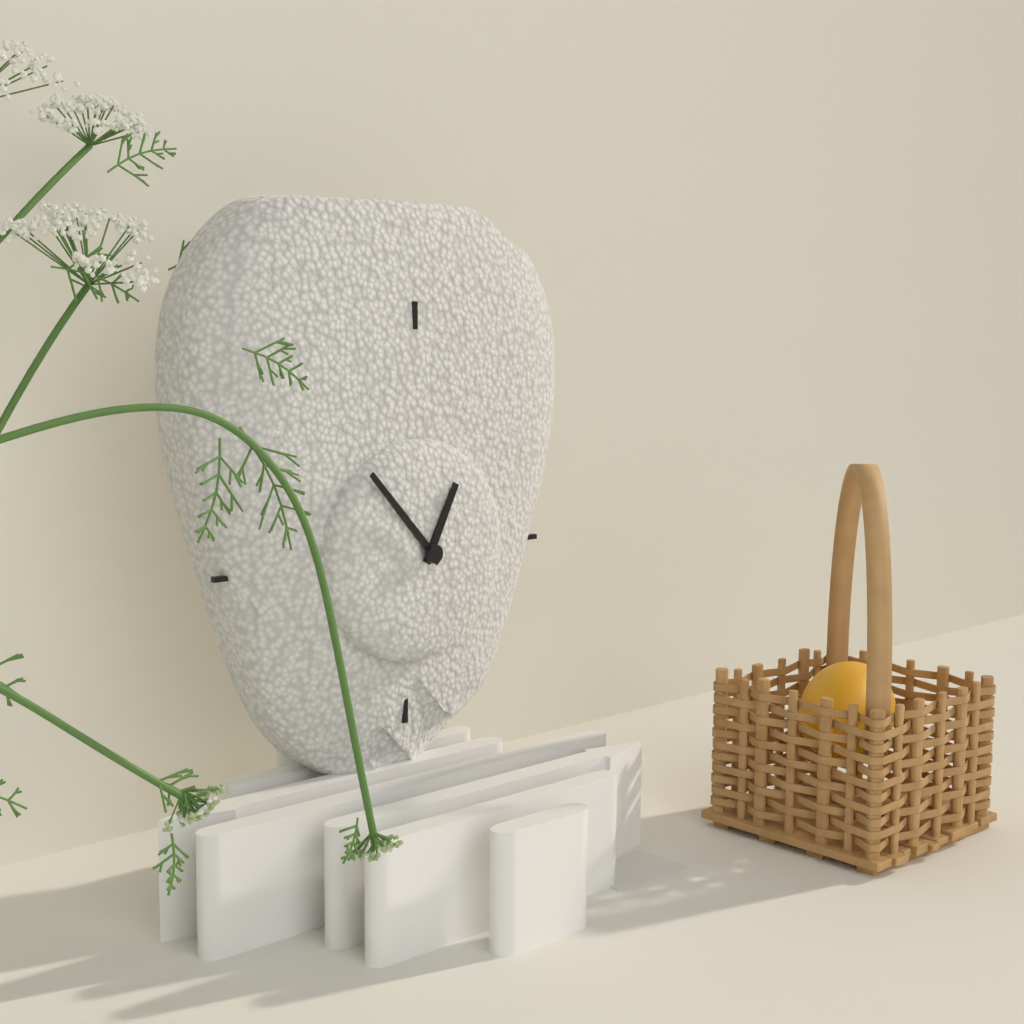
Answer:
**12:53**
